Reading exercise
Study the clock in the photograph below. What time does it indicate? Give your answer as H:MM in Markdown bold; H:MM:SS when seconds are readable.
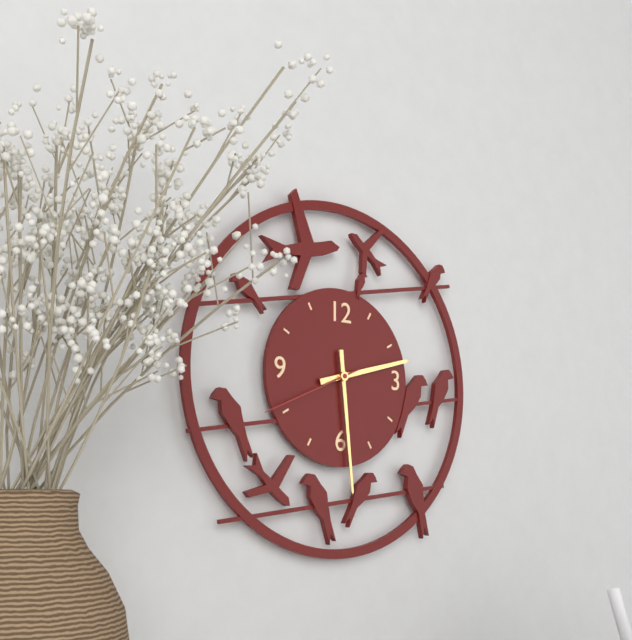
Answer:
**2:29:41**
